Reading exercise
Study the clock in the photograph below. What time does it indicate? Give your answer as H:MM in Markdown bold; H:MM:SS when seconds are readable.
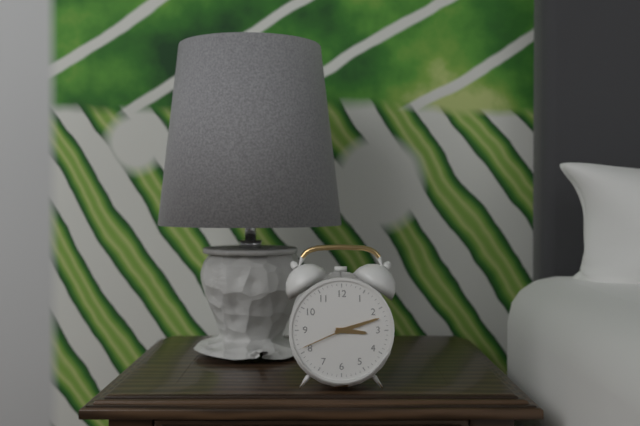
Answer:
**3:12:41**
